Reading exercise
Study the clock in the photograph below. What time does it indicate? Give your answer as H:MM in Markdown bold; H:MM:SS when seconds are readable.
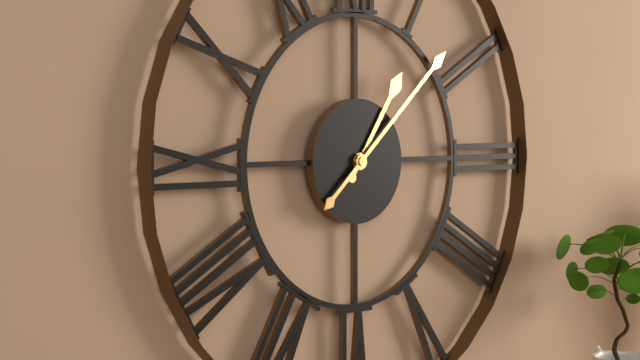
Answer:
**1:08**
